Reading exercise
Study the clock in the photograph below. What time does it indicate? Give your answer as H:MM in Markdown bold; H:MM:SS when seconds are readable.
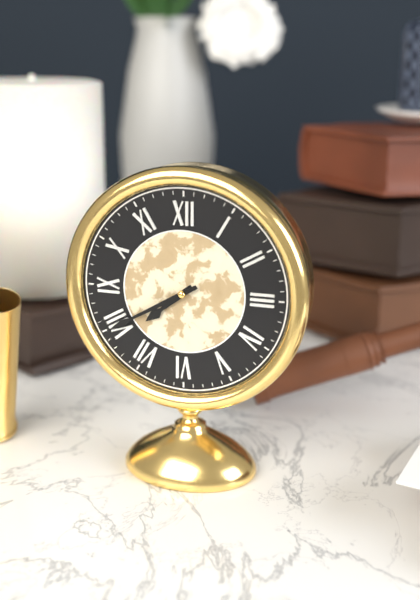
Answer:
**7:40**
